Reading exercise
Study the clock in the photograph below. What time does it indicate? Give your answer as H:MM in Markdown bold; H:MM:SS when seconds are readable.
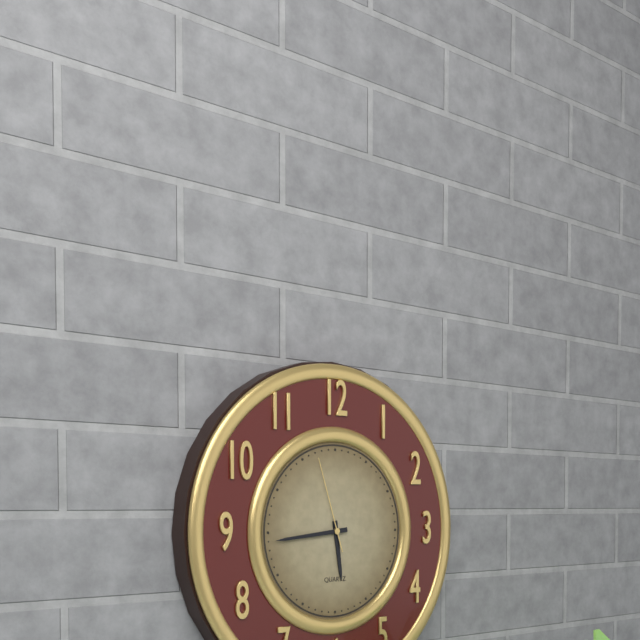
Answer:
**5:44:57**
